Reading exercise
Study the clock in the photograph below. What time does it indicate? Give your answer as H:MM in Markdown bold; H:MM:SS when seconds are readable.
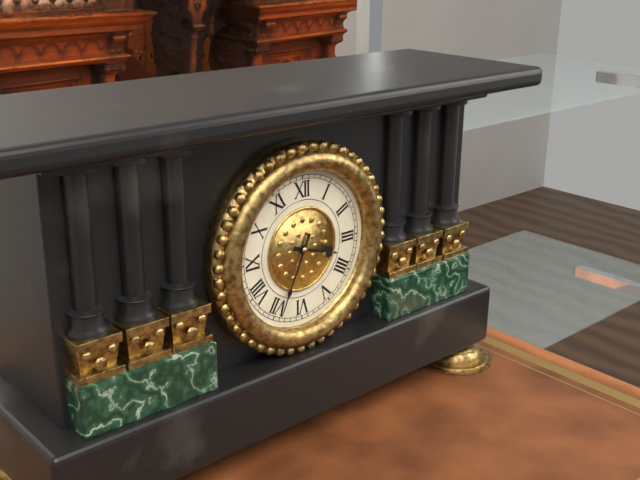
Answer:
**3:34**
